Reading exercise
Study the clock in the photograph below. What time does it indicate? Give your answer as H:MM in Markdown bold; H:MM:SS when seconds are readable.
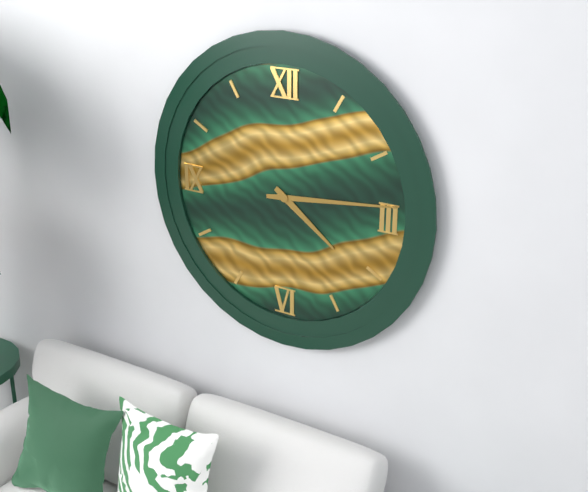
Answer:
**4:14**
